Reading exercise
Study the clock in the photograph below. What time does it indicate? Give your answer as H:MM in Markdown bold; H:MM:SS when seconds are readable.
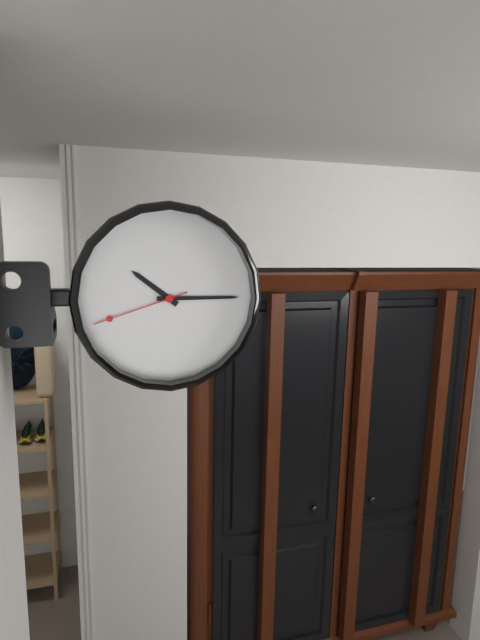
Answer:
**10:15:42**
